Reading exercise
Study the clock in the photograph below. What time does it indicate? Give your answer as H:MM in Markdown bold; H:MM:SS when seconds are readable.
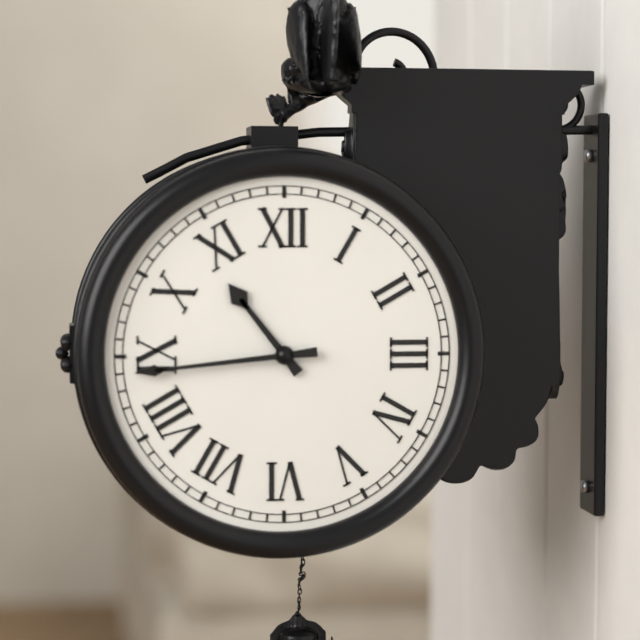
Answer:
**10:44**
